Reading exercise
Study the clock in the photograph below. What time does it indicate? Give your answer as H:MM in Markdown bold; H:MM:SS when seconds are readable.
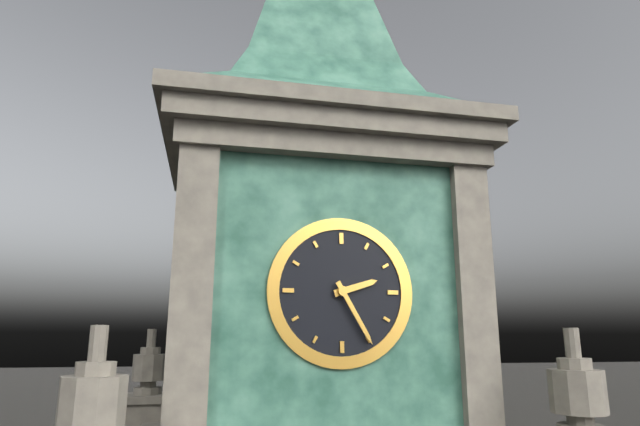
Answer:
**2:25**
